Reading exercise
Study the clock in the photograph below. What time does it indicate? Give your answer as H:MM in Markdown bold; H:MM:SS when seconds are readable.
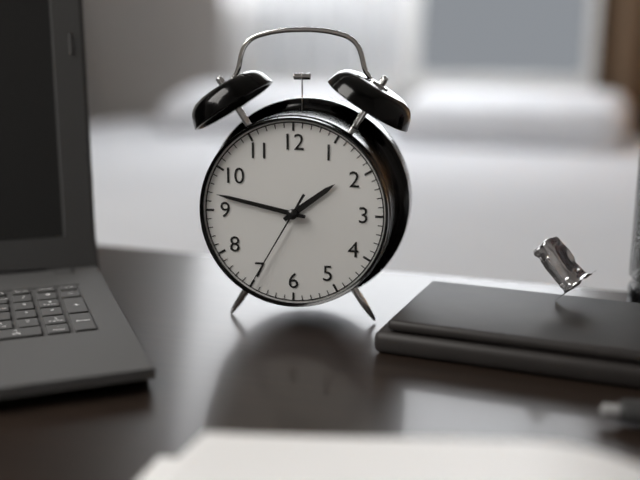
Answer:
**1:47:35**
